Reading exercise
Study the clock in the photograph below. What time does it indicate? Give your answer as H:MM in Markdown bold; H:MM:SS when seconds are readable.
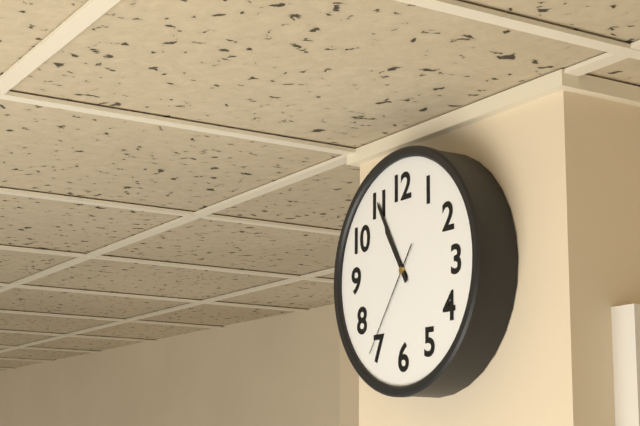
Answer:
**10:55:36**
